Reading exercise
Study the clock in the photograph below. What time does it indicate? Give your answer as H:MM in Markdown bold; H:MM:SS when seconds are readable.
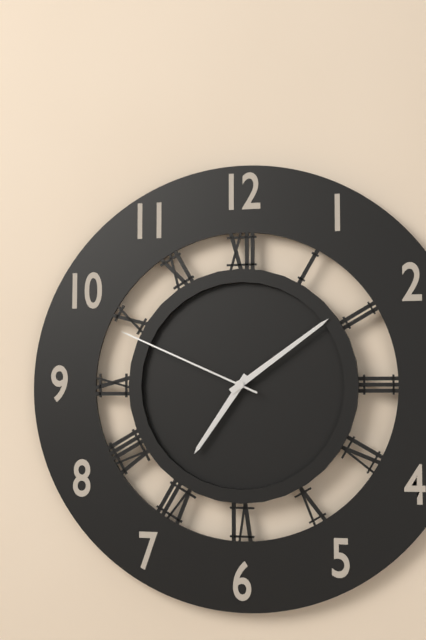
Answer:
**7:09:49**
